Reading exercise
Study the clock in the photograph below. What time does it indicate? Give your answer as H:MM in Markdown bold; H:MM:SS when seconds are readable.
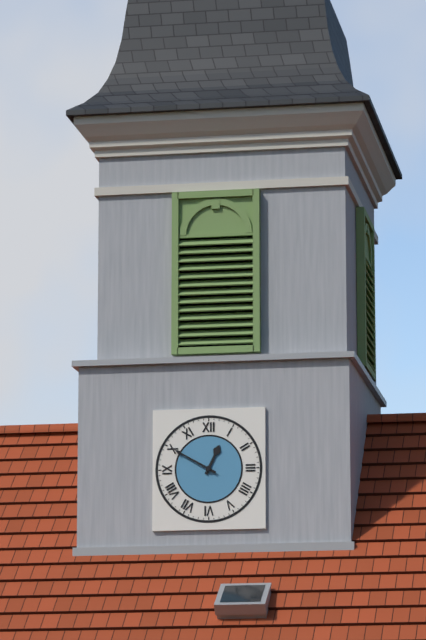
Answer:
**12:50**
